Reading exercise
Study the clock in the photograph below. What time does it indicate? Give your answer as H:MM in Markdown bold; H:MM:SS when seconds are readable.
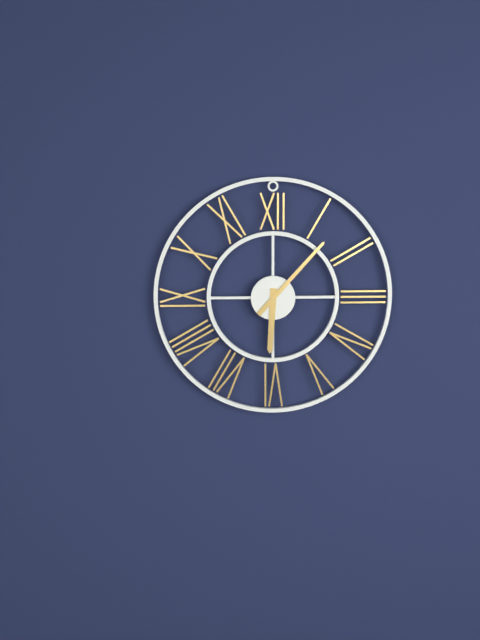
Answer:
**6:07**
